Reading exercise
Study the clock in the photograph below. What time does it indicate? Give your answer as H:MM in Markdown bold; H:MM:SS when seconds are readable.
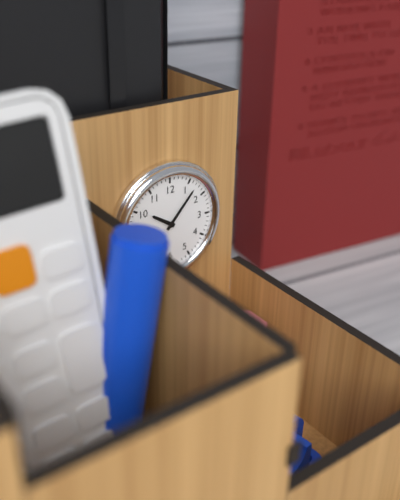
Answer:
**10:07**
